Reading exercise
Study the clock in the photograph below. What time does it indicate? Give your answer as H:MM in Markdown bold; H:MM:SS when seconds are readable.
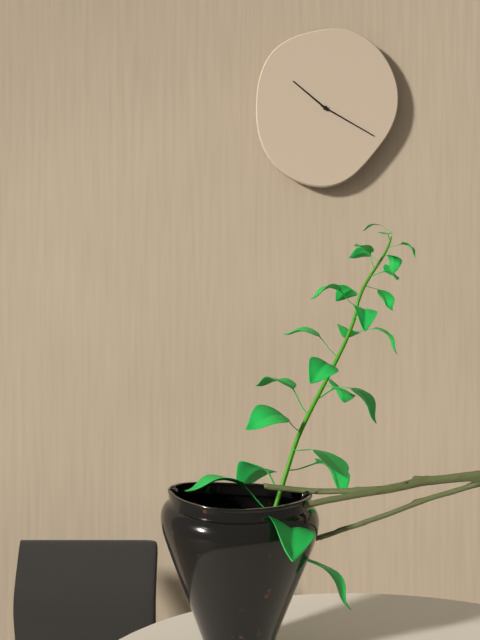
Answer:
**10:20**
